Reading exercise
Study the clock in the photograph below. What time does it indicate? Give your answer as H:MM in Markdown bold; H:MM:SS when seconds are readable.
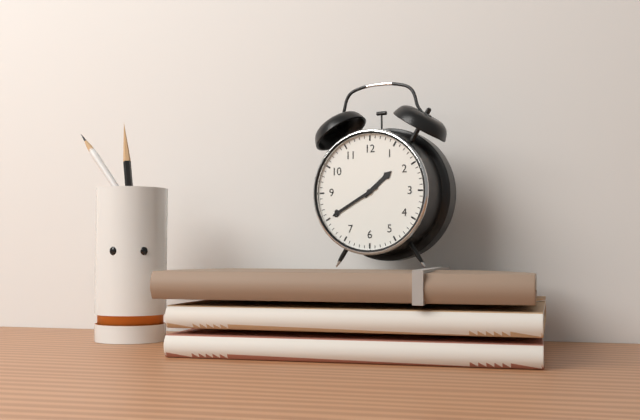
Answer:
**1:40**
